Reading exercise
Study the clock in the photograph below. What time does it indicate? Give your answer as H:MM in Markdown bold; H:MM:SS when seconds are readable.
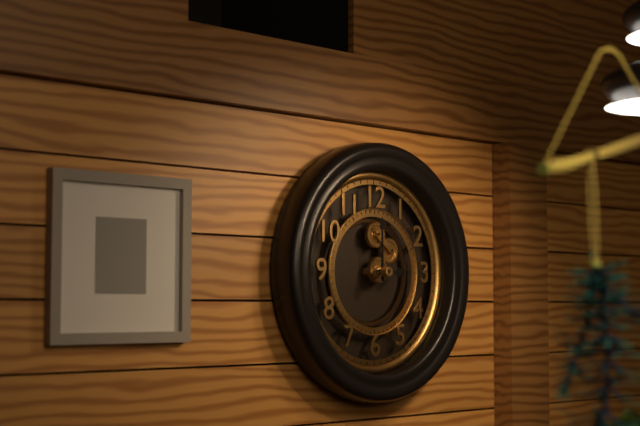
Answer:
**3:00**
